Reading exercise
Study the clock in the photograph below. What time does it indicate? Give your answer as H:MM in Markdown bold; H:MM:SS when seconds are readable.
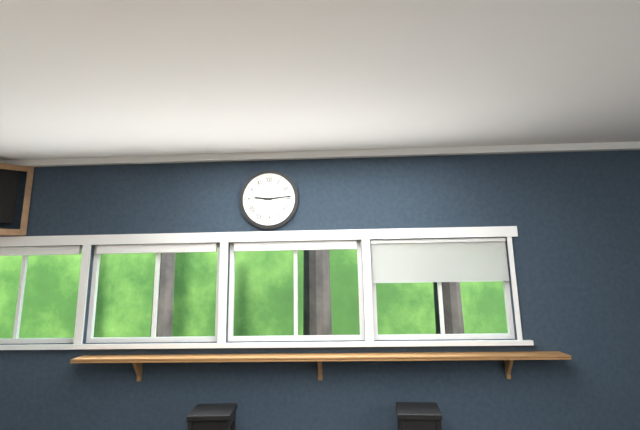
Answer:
**9:14**
